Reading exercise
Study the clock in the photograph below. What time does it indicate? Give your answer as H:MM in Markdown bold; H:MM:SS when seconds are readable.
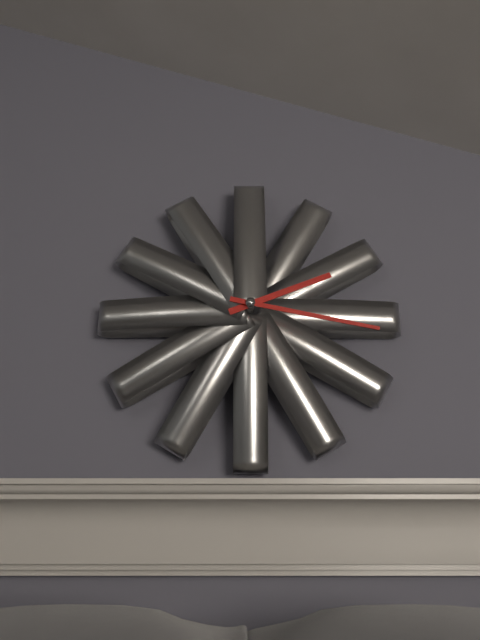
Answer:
**2:17**
